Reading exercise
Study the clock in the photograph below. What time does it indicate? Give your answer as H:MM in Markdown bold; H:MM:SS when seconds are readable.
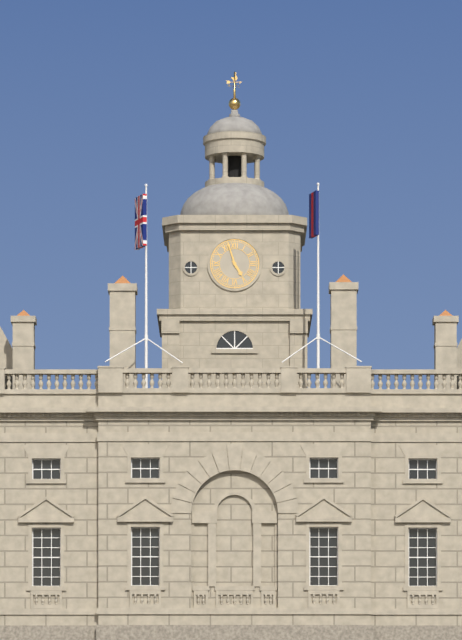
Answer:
**4:57**
